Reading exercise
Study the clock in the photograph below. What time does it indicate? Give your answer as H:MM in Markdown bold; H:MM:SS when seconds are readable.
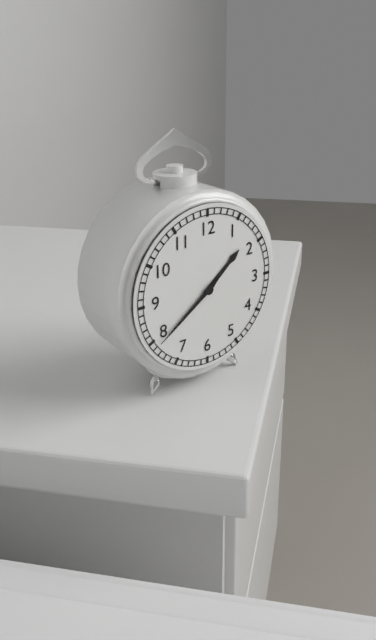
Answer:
**1:39**
